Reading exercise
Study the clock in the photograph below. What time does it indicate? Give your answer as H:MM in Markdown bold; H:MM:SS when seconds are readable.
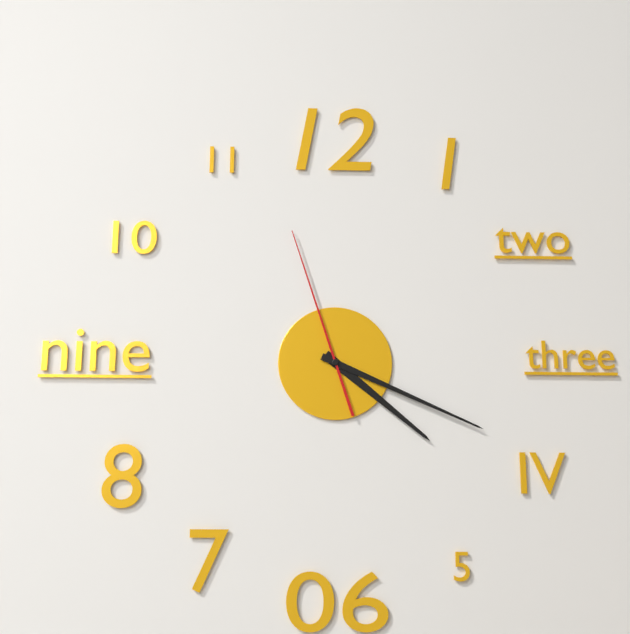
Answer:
**4:19:57**
